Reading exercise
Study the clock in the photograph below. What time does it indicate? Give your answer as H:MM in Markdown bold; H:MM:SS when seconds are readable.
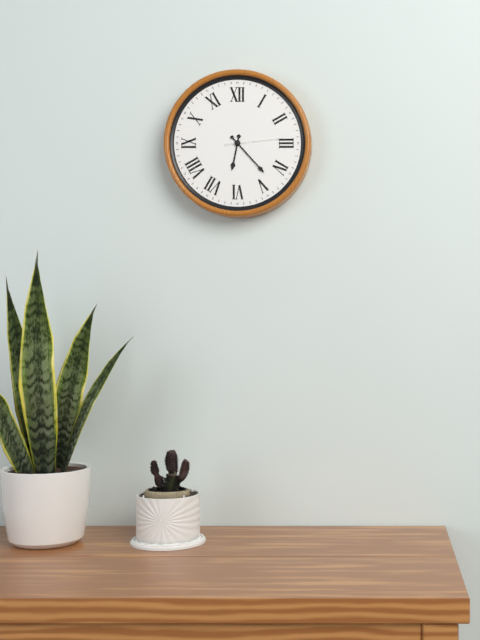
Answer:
**6:23:14**
